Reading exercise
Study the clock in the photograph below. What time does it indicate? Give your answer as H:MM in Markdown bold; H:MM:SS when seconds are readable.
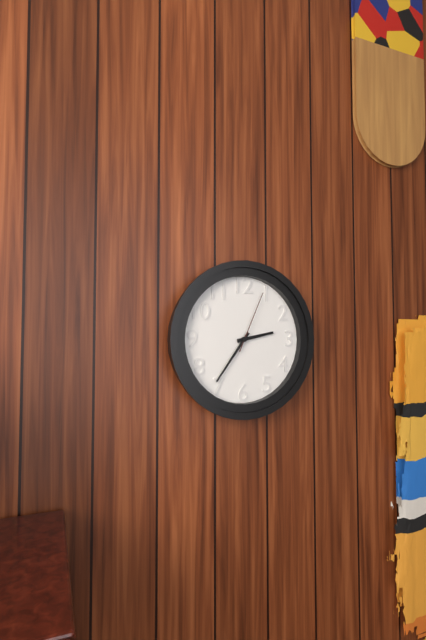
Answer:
**2:36:04**
